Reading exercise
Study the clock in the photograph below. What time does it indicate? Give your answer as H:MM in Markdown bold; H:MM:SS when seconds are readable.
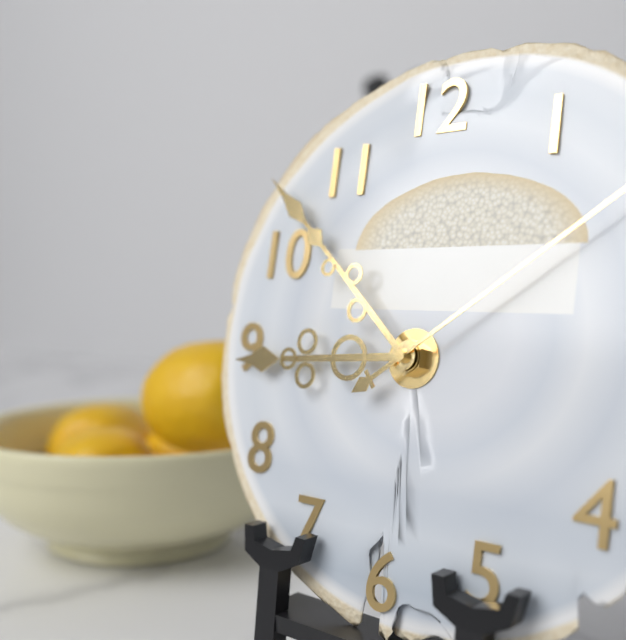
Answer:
**8:52**
